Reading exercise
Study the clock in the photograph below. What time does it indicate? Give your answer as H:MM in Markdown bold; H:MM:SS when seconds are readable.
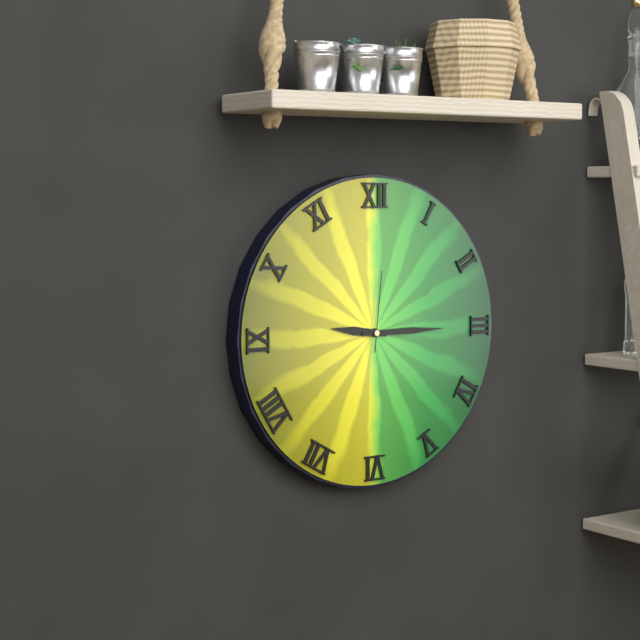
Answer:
**9:15:01**
